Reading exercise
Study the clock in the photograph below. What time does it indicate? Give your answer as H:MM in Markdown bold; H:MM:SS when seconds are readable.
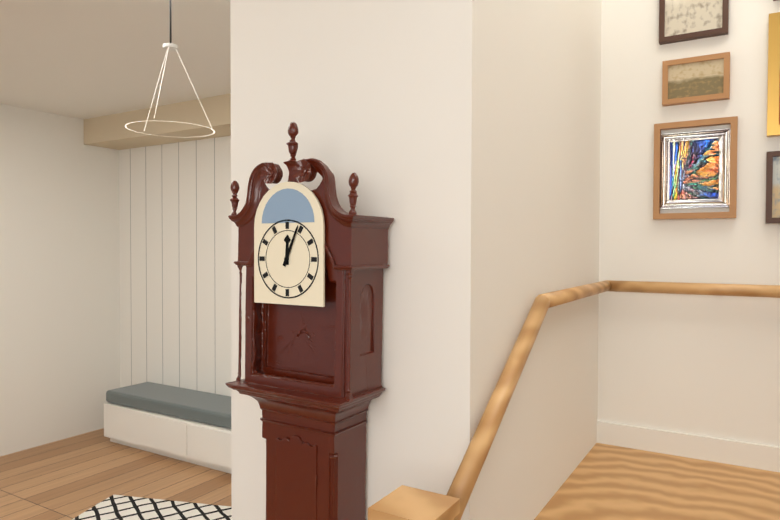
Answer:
**12:04**
